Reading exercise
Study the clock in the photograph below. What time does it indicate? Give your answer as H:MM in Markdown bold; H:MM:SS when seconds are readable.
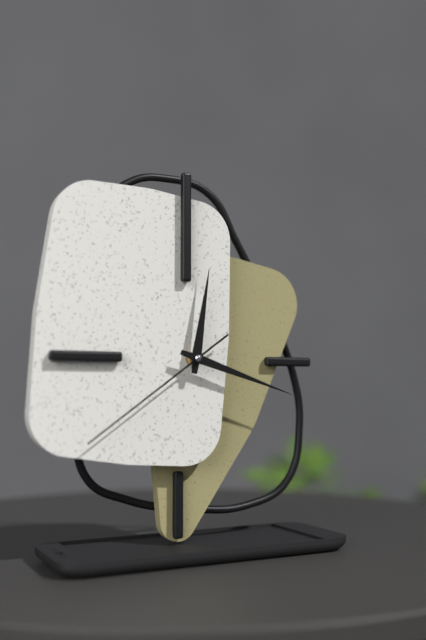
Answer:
**12:18:39**
